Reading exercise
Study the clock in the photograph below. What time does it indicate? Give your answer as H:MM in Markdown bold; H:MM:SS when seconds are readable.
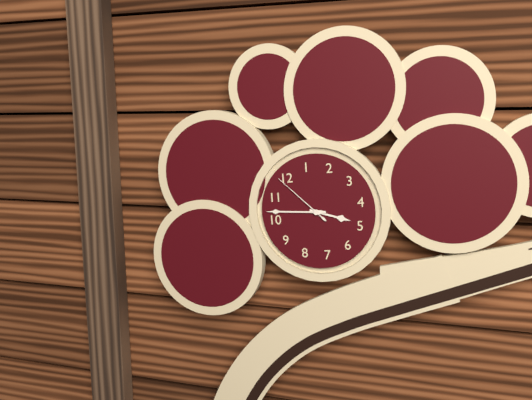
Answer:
**4:52:59**
